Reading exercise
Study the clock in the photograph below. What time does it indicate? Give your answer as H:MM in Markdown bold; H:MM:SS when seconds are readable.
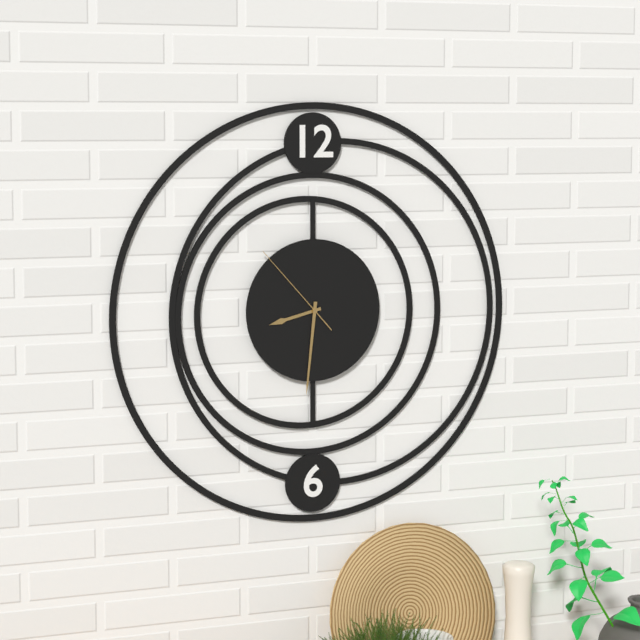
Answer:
**8:31:53**
